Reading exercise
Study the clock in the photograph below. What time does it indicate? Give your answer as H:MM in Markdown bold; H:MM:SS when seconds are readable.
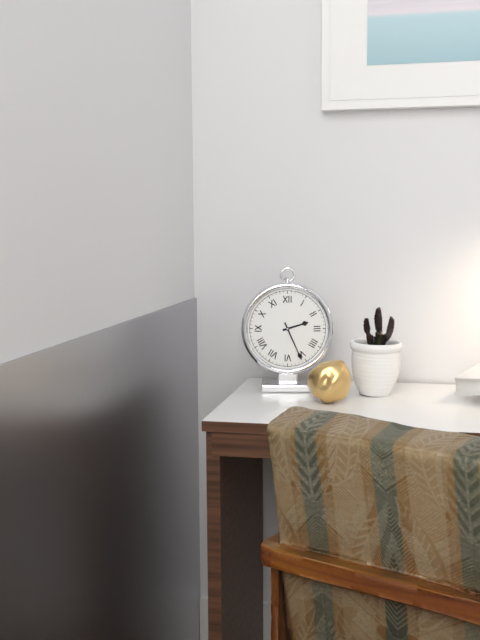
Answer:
**2:26**
